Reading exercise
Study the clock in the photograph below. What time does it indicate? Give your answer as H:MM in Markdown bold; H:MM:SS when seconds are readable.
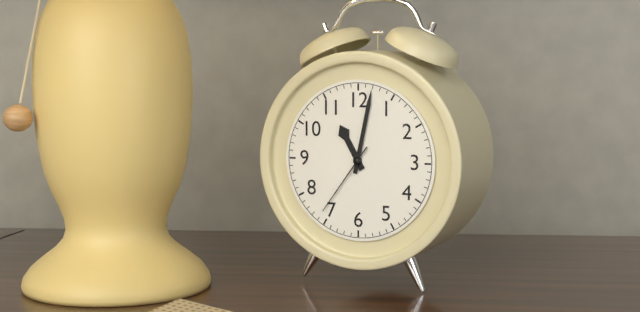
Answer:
**11:02:36**
